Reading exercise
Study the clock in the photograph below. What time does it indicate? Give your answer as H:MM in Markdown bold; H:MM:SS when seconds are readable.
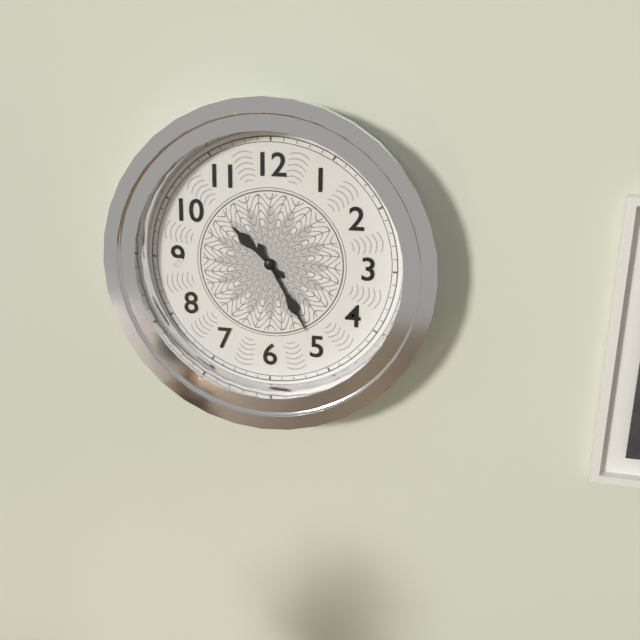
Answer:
**10:25**
